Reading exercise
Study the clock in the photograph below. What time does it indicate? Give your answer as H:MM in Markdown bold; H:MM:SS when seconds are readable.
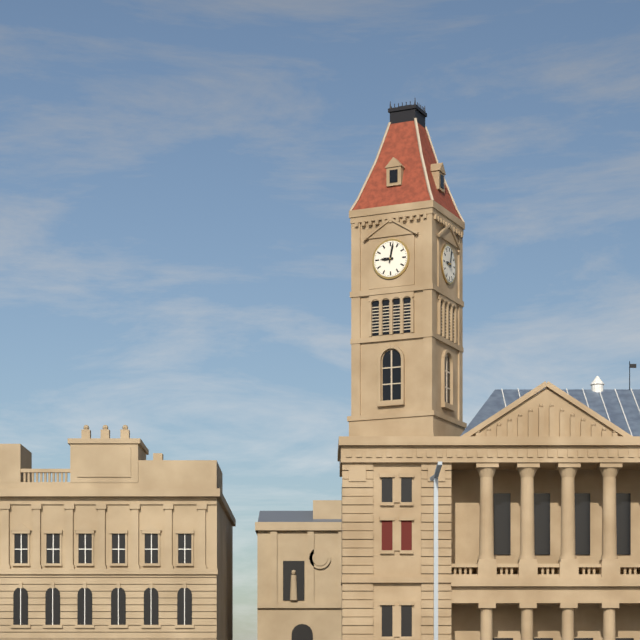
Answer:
**9:02**
